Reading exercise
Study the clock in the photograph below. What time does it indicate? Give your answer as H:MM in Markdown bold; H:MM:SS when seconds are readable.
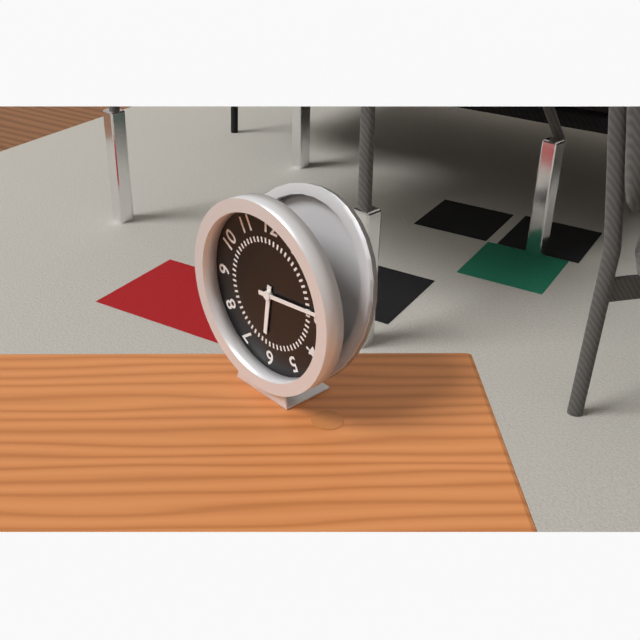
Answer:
**6:14**
